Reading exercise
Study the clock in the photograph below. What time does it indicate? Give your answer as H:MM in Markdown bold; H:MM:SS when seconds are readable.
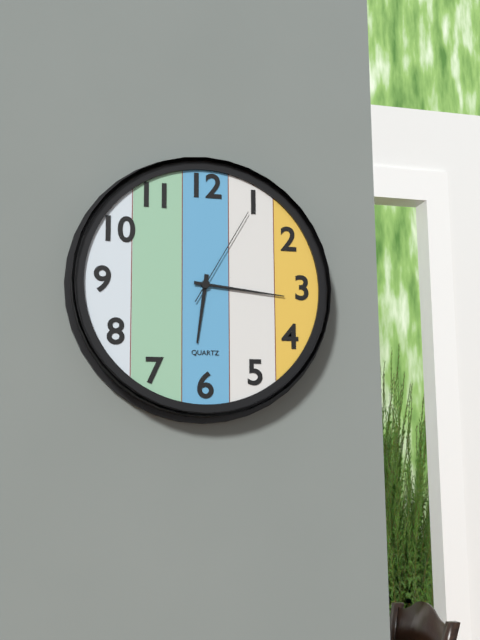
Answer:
**6:16:05**
